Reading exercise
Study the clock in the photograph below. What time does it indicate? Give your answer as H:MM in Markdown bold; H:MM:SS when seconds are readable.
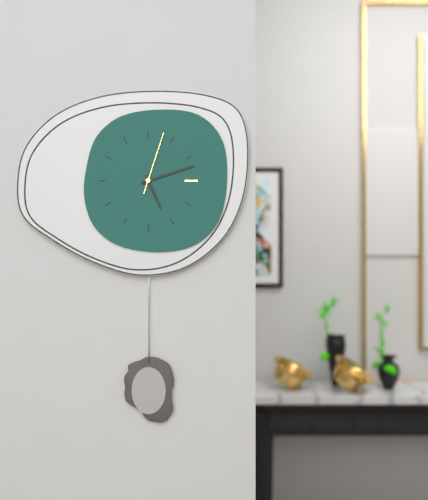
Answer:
**5:12:03**
